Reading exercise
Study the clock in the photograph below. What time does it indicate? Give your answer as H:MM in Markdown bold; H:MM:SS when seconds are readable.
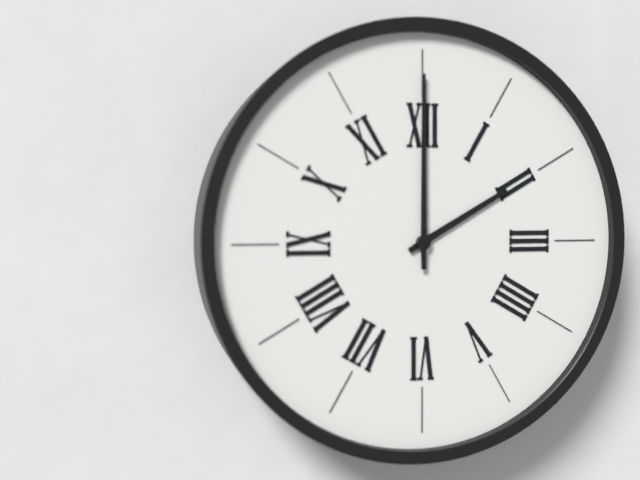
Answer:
**2:00**
